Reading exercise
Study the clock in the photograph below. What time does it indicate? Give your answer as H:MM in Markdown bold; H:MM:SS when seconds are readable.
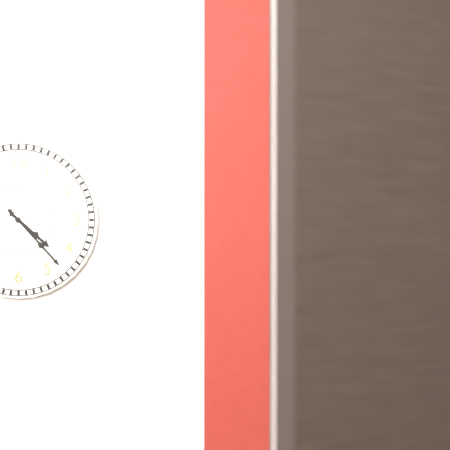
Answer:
**4:23**
